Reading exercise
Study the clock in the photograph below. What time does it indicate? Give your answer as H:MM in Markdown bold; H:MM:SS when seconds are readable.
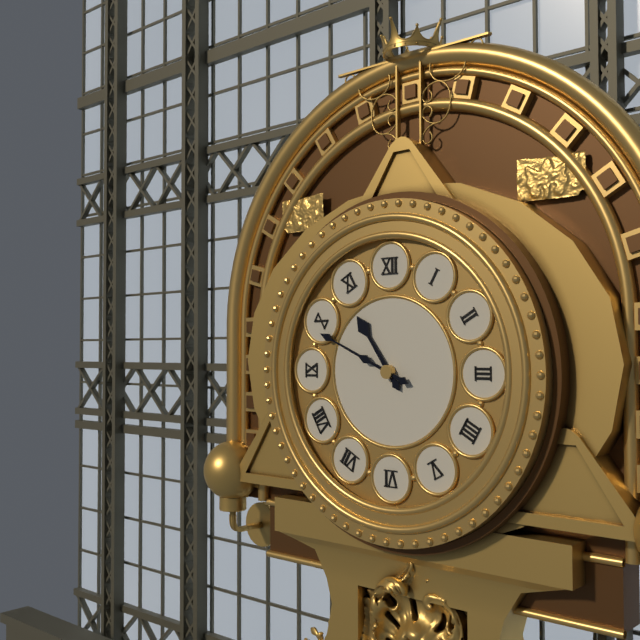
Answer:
**10:49**
